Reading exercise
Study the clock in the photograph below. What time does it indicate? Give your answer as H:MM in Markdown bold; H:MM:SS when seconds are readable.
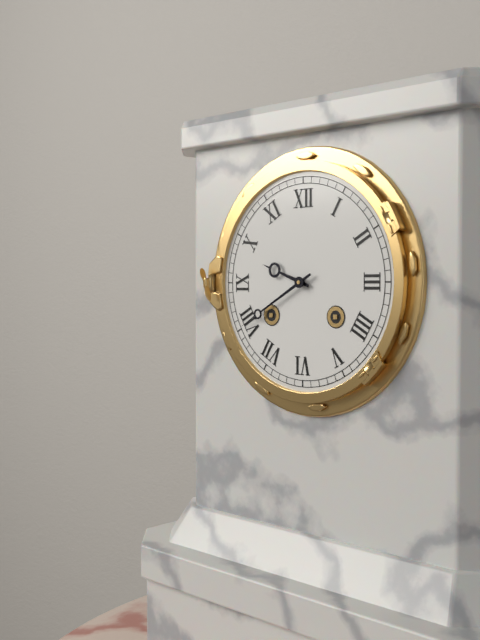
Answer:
**9:40**
